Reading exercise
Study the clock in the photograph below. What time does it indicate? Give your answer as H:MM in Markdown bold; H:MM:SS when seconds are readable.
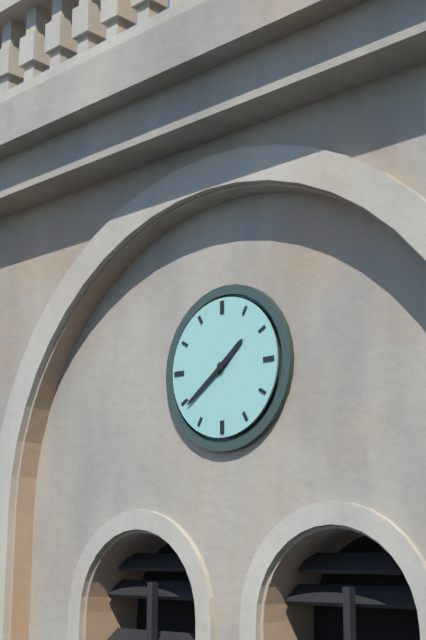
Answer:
**1:39**
